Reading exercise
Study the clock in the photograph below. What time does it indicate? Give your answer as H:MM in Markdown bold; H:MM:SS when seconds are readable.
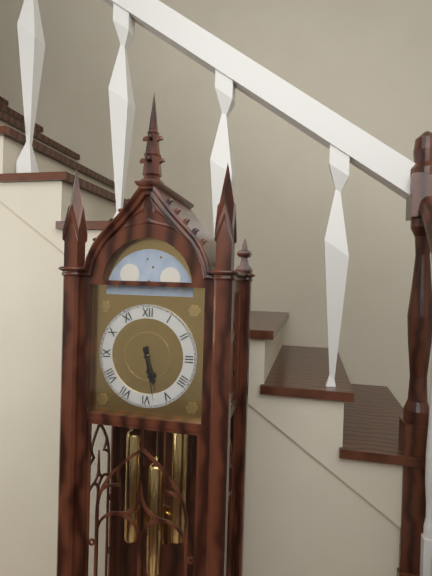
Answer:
**5:28**
